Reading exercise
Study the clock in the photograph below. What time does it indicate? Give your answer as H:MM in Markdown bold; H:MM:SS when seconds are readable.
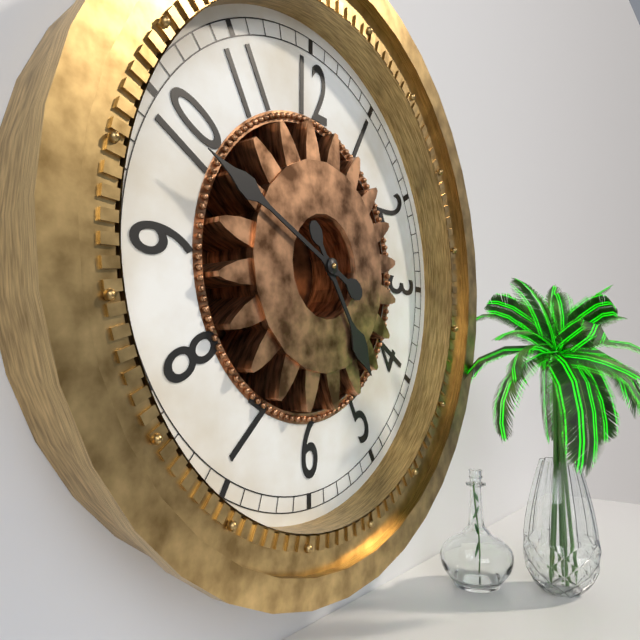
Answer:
**4:49**
